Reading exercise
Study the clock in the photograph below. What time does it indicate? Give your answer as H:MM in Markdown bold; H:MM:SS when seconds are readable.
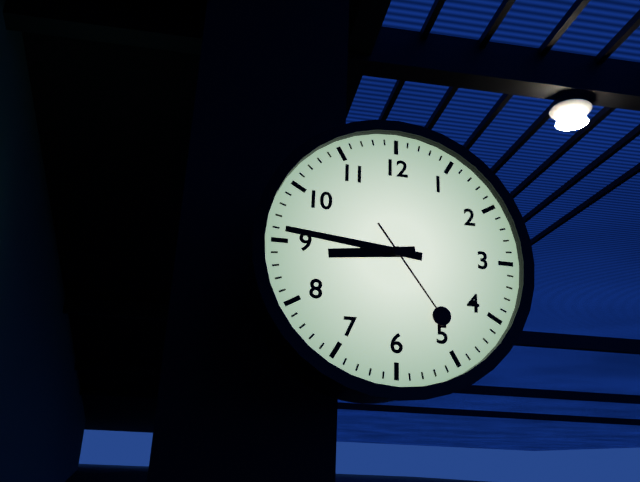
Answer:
**8:46:24**
